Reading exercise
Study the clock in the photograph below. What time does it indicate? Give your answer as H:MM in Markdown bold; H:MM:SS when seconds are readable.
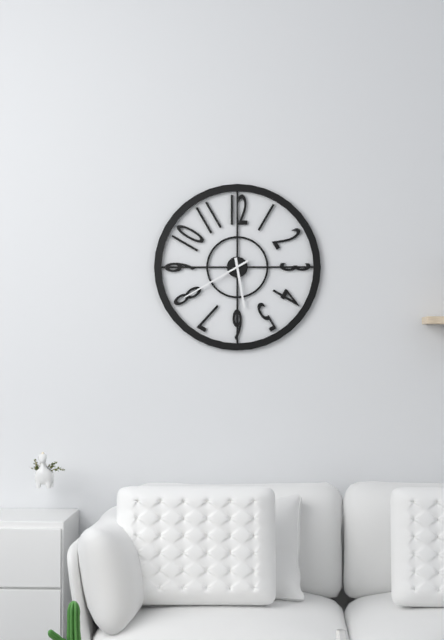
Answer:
**5:40**
